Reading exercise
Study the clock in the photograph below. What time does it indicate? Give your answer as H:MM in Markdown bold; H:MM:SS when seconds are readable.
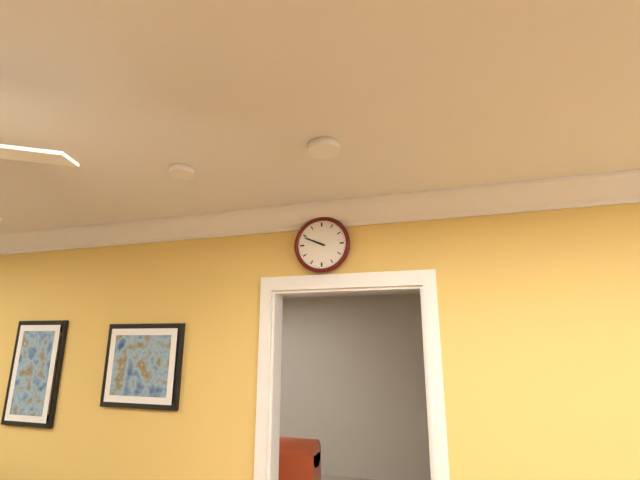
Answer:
**9:49**
